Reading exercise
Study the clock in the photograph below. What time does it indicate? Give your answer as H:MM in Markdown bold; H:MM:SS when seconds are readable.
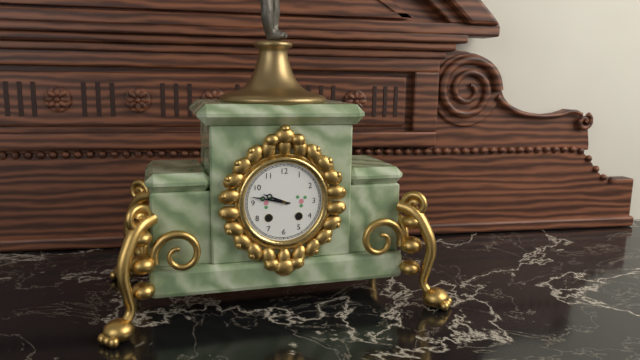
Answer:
**9:47**
